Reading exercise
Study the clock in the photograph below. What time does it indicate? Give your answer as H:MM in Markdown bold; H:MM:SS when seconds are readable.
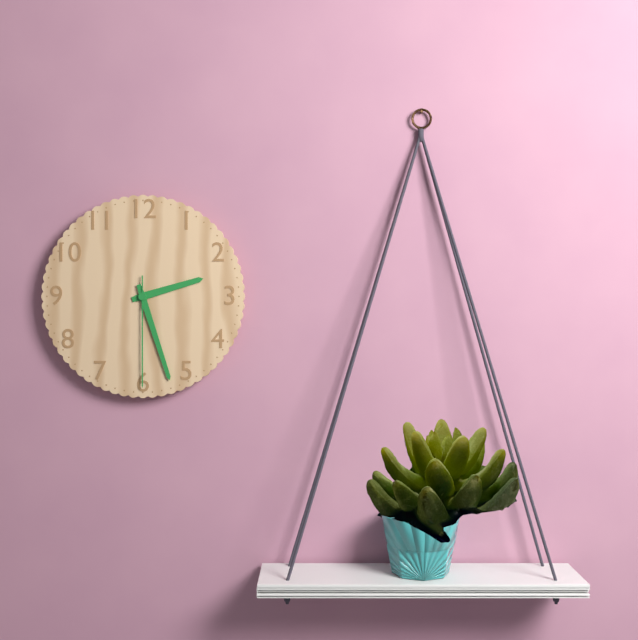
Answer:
**2:27:30**
